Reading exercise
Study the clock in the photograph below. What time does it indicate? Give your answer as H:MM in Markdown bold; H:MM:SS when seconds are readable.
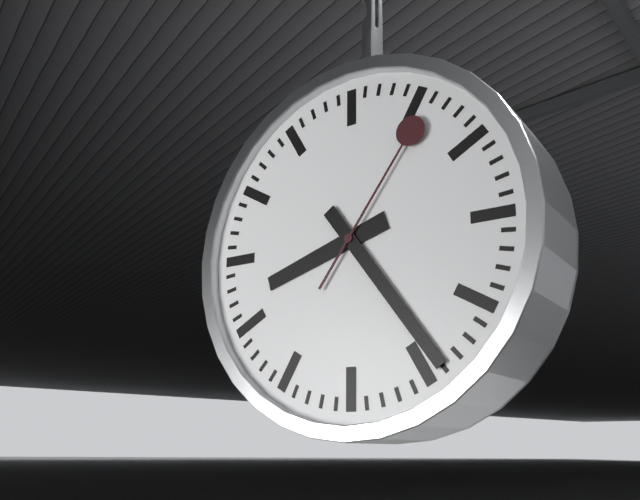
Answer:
**8:24:06**
